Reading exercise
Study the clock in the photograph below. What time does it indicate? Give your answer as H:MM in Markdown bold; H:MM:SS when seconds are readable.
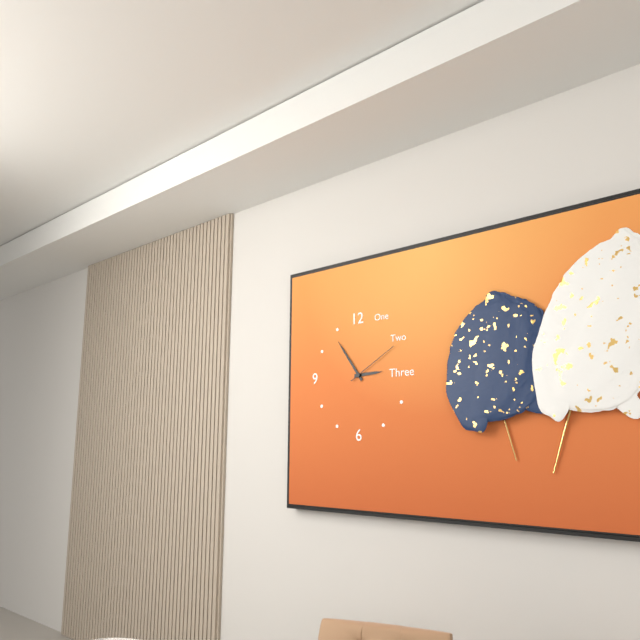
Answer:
**2:54:10**
